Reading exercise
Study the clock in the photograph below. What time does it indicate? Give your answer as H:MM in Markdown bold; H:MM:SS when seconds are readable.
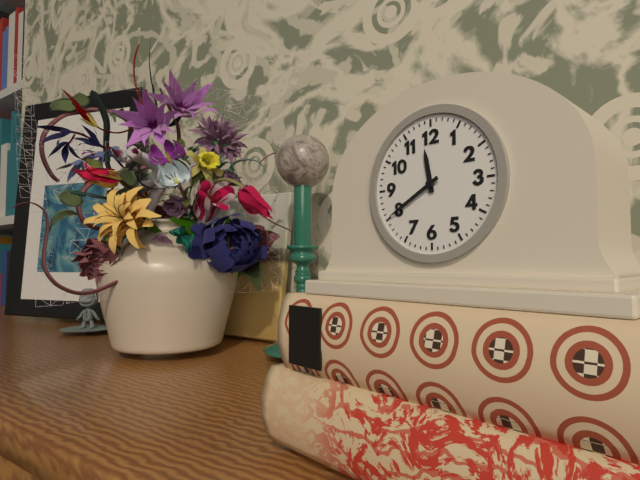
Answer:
**11:40**
